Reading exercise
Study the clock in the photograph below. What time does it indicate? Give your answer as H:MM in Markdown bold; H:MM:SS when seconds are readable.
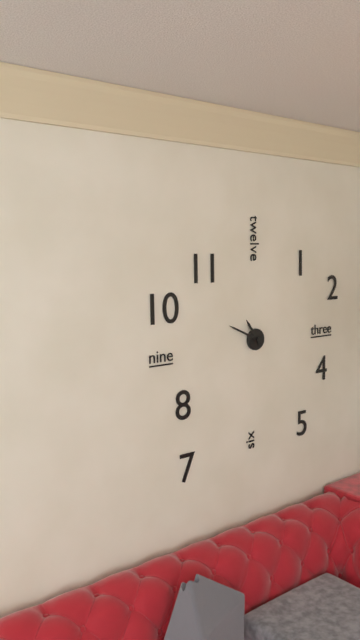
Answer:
**10:49**
